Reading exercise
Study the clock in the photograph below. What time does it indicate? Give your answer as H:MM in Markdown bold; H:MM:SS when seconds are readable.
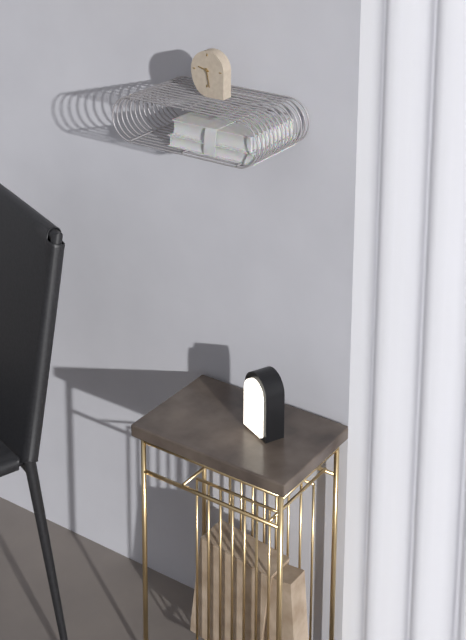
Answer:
**9:28**
